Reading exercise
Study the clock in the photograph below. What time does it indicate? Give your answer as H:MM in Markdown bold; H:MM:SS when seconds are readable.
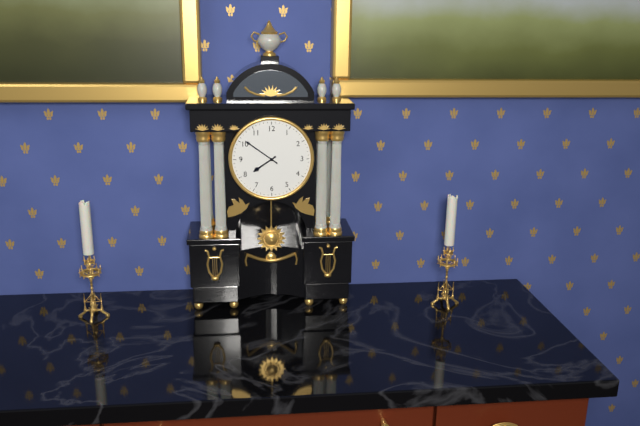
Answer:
**7:51**
